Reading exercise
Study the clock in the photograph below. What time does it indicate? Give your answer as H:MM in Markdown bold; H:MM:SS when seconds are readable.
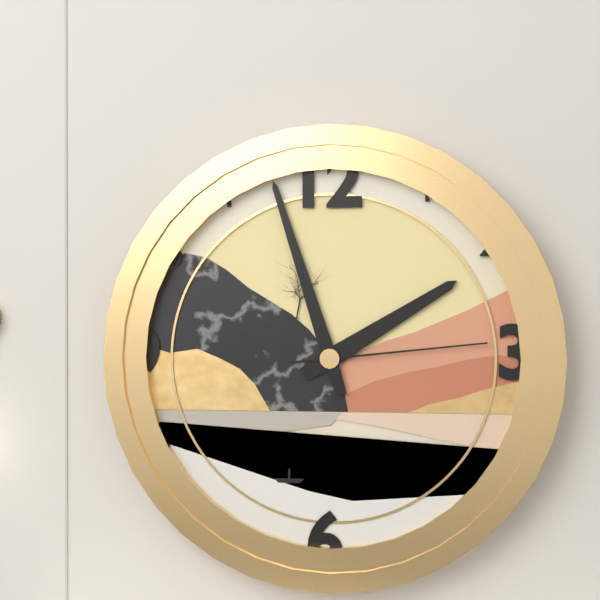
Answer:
**1:57:14**
